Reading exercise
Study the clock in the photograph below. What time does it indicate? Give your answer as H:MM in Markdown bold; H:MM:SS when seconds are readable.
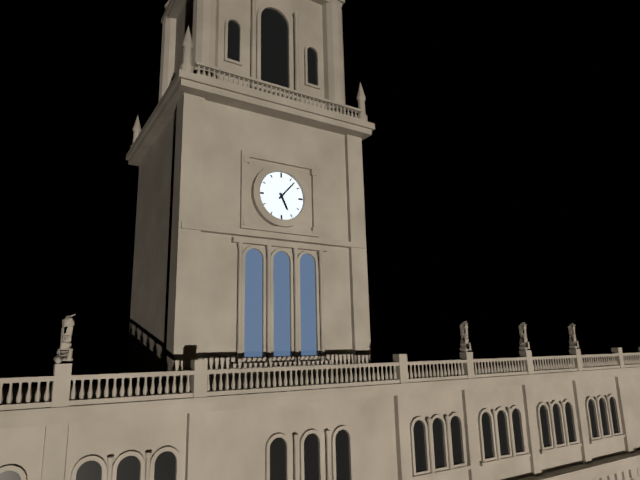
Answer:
**5:07**
